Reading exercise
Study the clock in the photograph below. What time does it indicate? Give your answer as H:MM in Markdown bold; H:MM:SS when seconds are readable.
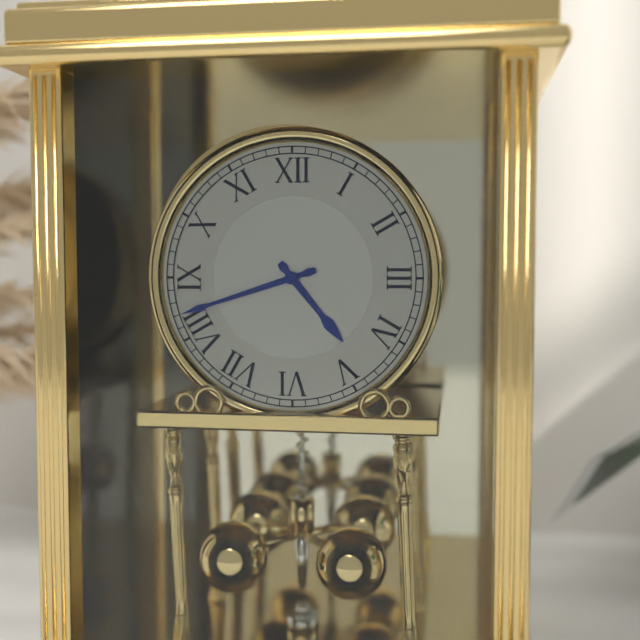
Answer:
**4:42**
